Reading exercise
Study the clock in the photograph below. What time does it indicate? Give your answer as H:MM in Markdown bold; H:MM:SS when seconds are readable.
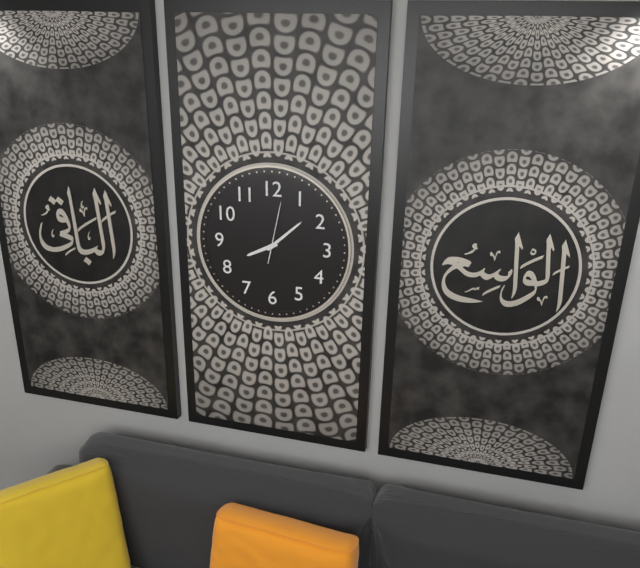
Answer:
**8:08:02**
